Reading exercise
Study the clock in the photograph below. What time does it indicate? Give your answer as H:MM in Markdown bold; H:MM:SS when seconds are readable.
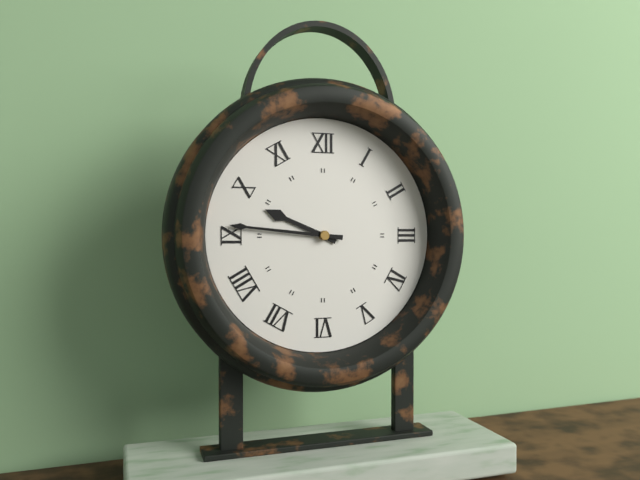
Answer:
**9:46**
